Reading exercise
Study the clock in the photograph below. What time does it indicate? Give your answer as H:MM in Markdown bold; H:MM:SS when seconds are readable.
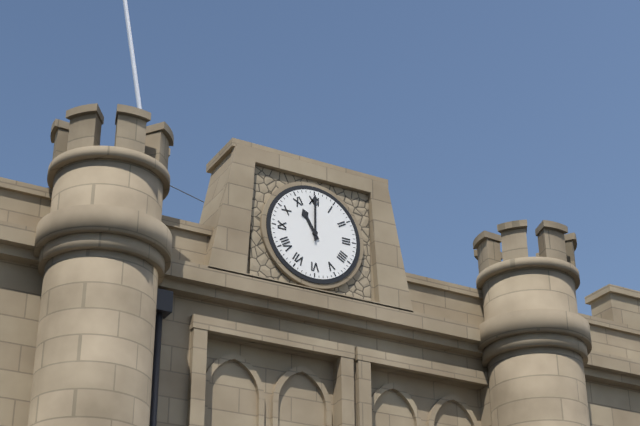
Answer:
**11:00**
